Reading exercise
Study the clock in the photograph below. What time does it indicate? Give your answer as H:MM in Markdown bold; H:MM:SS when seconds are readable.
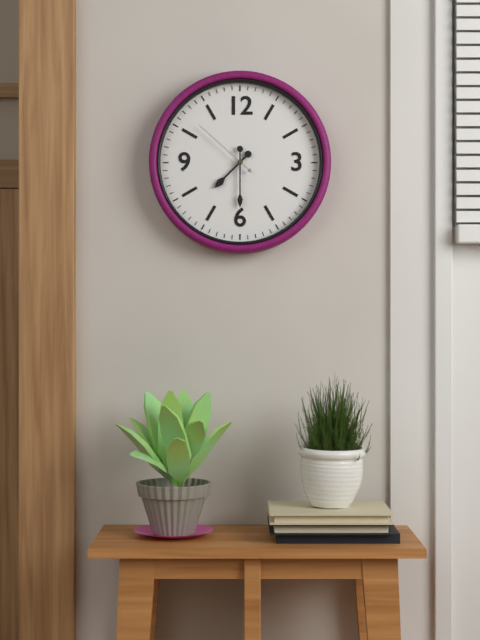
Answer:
**7:30:52**
